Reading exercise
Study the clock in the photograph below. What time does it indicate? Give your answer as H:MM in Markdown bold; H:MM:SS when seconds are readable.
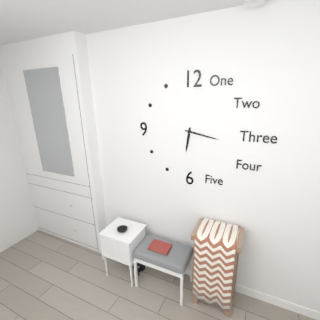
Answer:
**6:17**
